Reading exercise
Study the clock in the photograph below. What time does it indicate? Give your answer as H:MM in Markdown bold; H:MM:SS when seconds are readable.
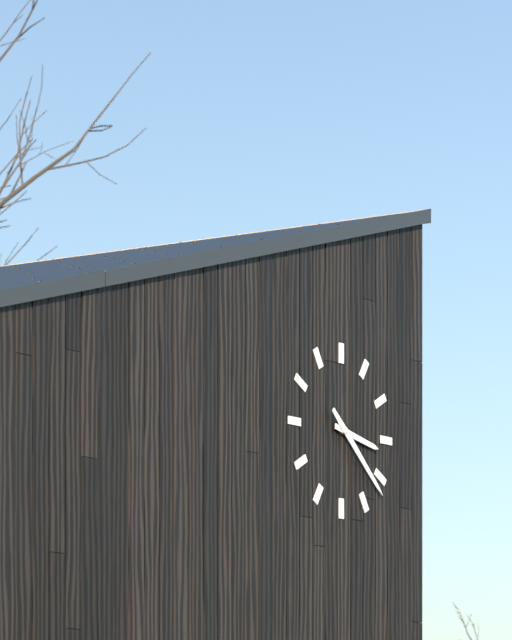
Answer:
**3:22**
